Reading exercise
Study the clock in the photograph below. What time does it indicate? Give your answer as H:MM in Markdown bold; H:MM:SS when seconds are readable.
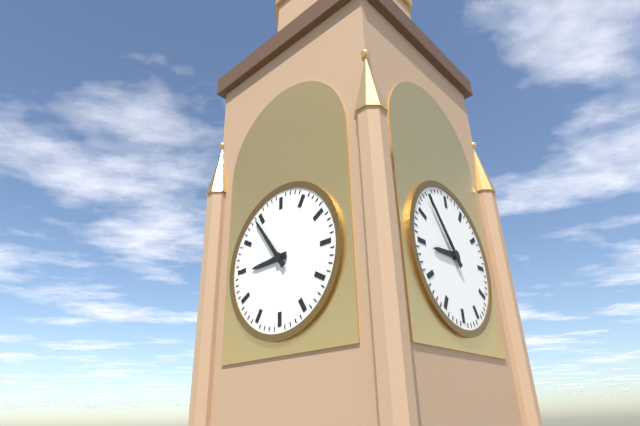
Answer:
**8:54**
